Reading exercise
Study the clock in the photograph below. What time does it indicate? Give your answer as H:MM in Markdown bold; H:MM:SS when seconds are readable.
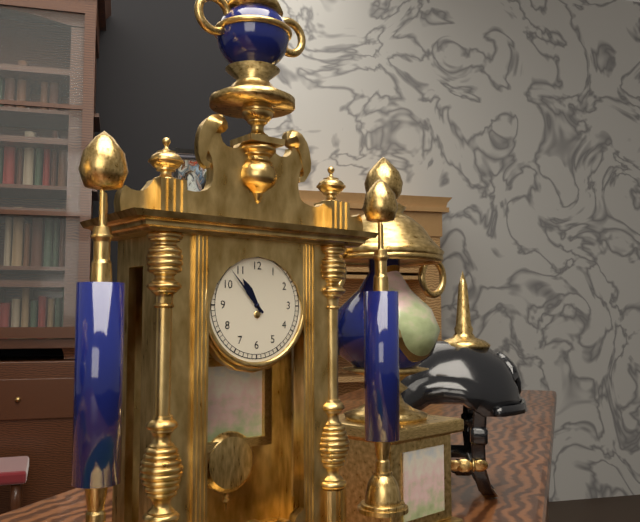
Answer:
**10:53**
